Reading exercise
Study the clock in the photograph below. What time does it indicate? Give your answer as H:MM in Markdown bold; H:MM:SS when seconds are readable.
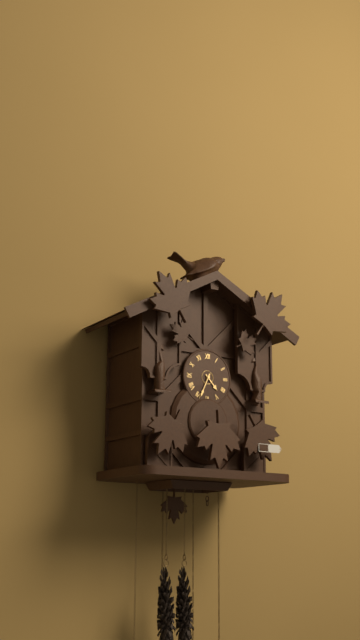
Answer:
**4:34**
